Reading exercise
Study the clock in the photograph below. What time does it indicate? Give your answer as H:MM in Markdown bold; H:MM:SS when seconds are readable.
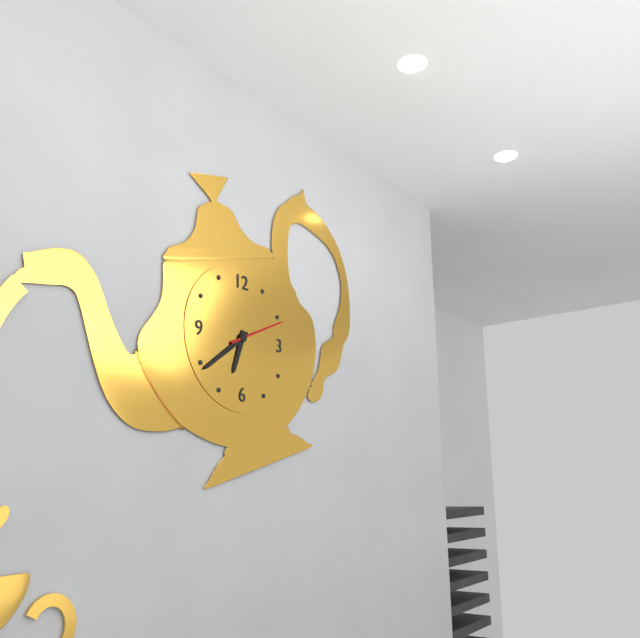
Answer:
**6:39:11**
